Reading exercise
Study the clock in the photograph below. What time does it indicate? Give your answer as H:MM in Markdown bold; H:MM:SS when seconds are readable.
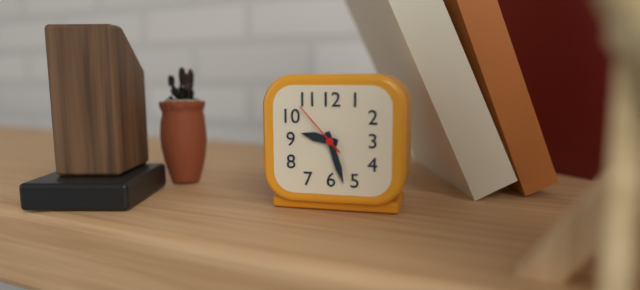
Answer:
**9:27:53**
